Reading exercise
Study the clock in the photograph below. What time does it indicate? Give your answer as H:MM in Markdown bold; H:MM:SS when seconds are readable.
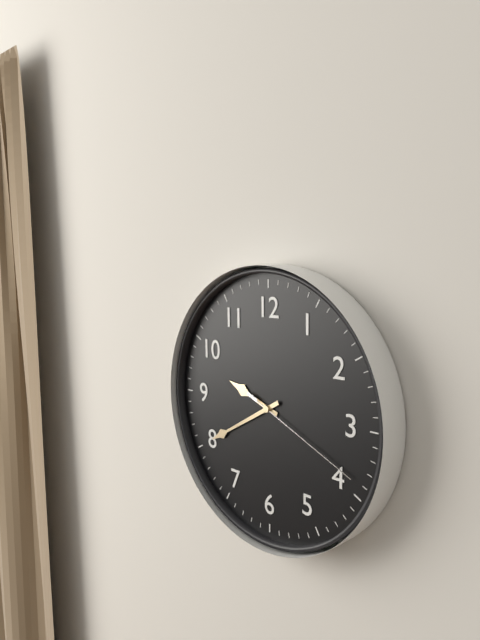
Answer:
**9:40:19**
